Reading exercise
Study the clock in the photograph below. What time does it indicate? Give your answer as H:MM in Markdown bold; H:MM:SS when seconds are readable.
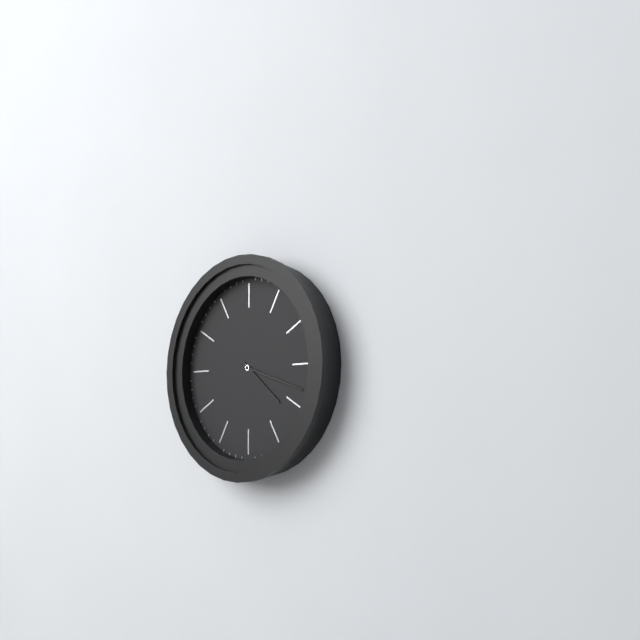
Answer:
**4:18**
